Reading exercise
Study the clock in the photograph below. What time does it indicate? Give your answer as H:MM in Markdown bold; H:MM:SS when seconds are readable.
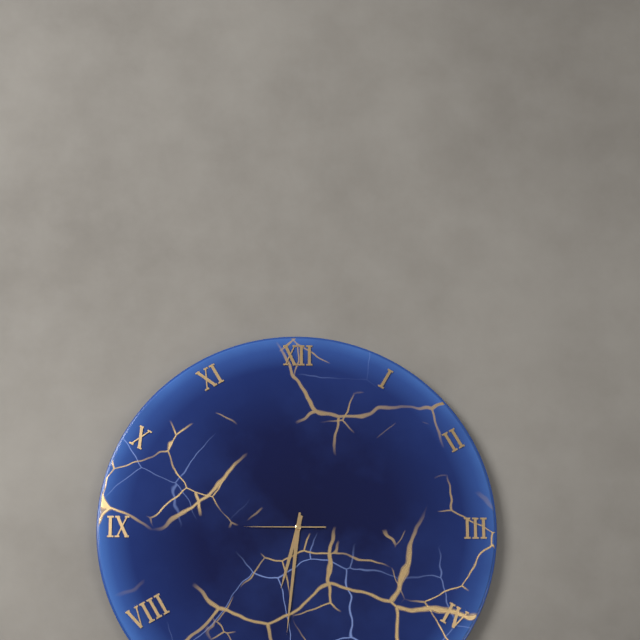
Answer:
**6:31:45**
